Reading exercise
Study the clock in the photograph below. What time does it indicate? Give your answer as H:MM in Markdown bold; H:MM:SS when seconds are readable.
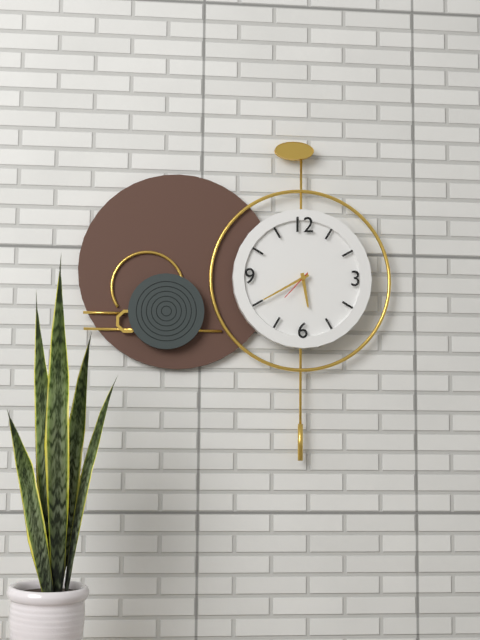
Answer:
**5:40**
